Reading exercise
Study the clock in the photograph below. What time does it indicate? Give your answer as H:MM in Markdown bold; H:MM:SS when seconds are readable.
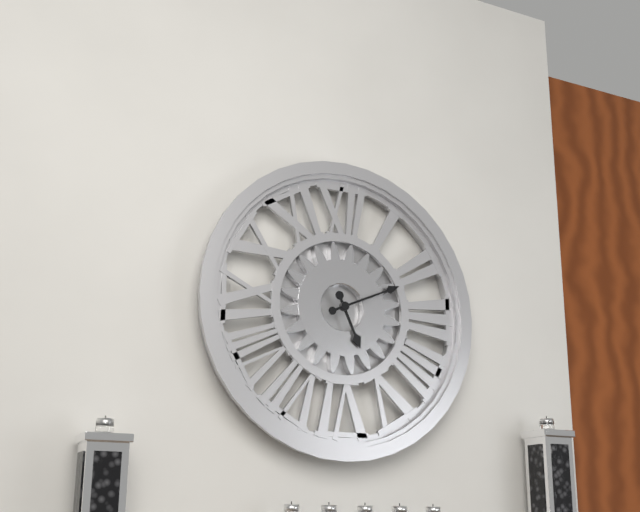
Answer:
**5:11**
